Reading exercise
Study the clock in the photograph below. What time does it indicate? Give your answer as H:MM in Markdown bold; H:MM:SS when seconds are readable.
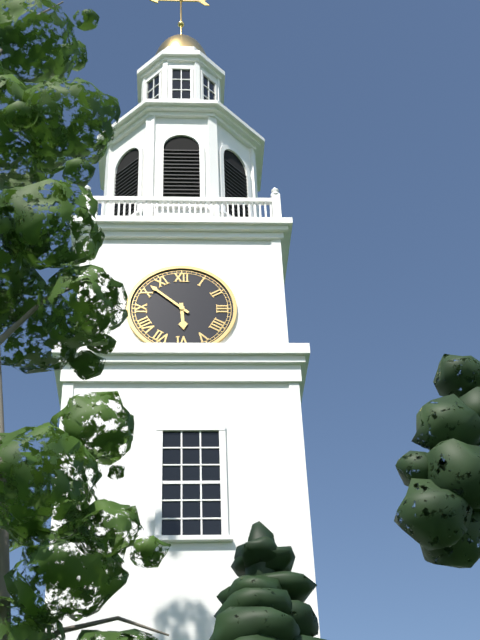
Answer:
**5:52**
